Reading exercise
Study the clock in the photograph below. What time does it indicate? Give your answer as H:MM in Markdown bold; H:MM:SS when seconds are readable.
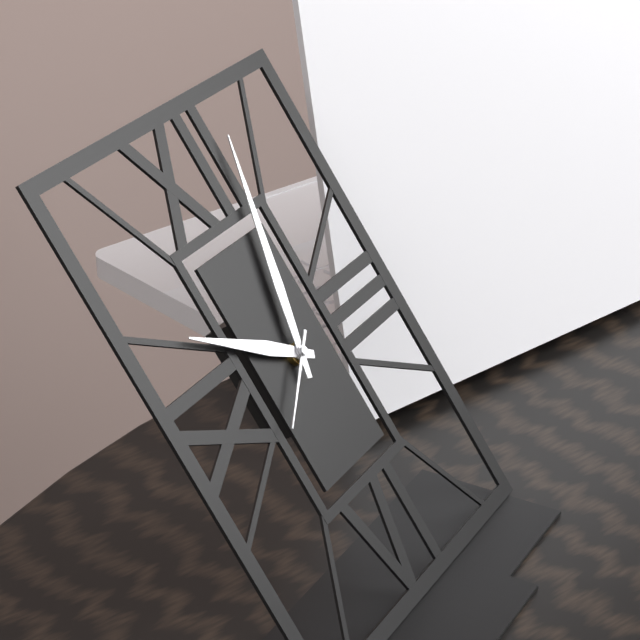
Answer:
**10:03:39**
